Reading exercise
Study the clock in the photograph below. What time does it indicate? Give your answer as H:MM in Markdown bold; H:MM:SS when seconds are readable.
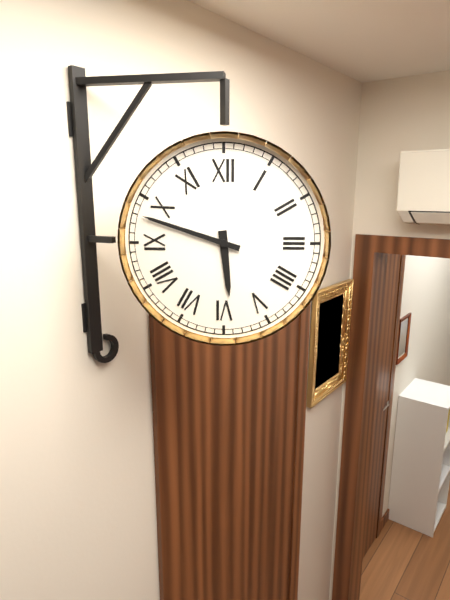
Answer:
**5:48**
